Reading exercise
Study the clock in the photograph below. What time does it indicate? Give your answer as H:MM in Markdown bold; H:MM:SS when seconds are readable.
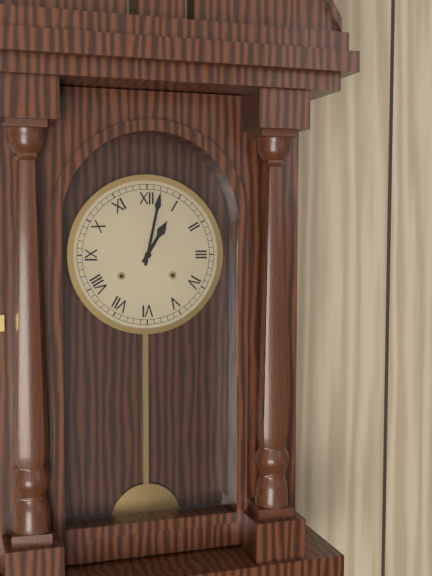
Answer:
**1:02**
